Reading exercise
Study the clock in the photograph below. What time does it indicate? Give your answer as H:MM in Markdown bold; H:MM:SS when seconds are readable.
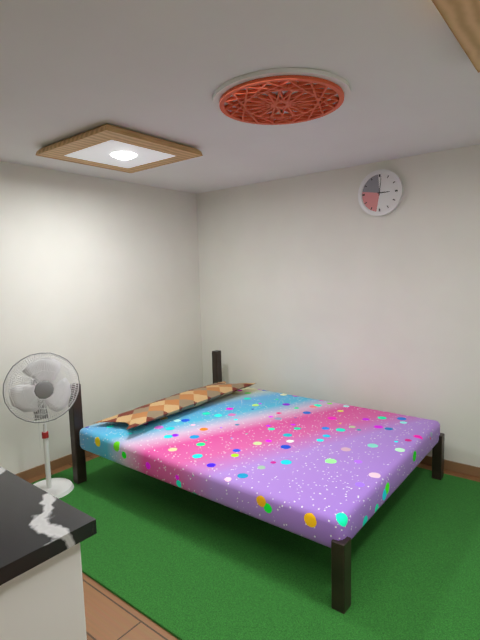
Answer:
**3:01**
